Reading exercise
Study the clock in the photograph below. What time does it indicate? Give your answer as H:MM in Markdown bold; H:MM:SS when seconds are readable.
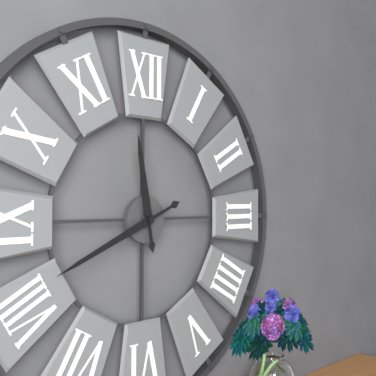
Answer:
**11:41**
